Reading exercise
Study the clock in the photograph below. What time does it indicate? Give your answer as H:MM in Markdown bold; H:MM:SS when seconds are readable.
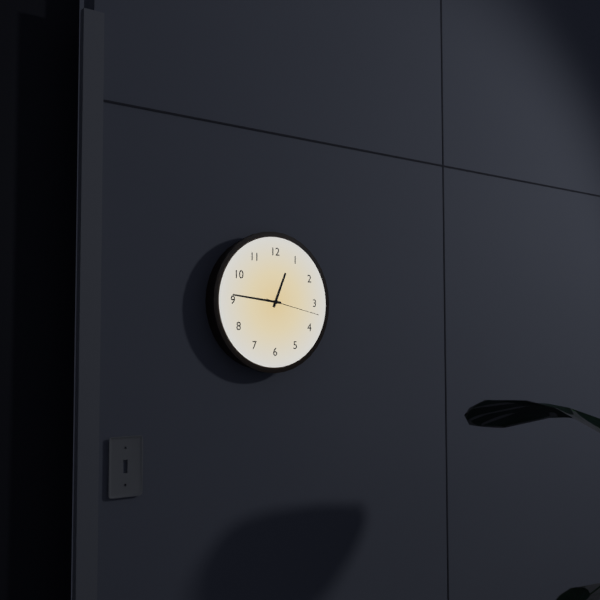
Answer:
**12:46:17**
